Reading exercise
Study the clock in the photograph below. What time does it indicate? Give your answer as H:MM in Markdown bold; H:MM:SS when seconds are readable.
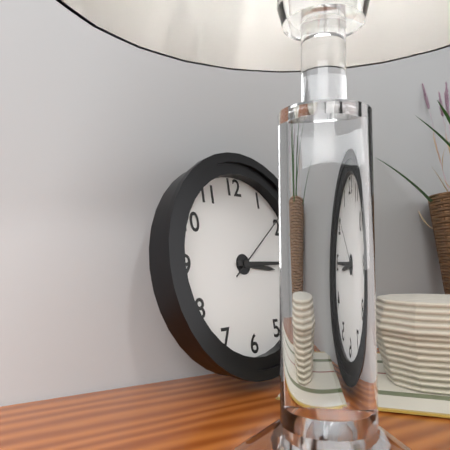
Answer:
**3:15:09**
